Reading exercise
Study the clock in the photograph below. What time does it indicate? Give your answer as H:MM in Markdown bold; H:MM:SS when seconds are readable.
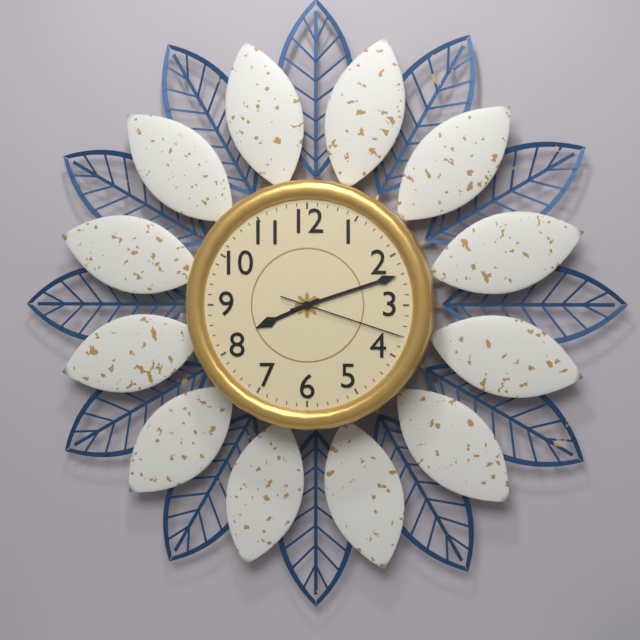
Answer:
**8:12:18**
